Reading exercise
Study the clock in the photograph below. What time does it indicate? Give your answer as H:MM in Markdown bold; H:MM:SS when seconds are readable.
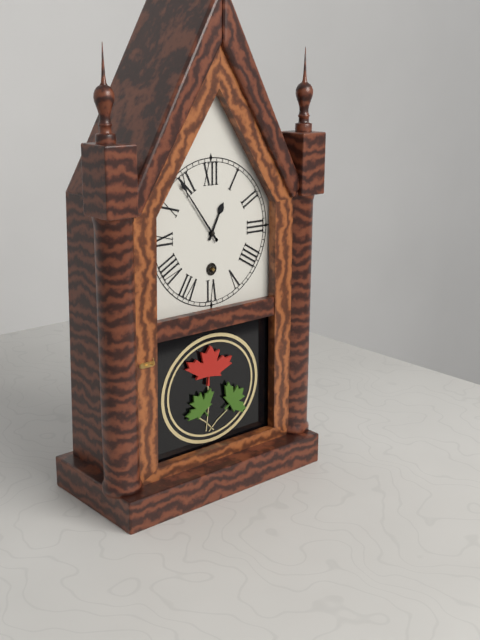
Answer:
**12:54**
